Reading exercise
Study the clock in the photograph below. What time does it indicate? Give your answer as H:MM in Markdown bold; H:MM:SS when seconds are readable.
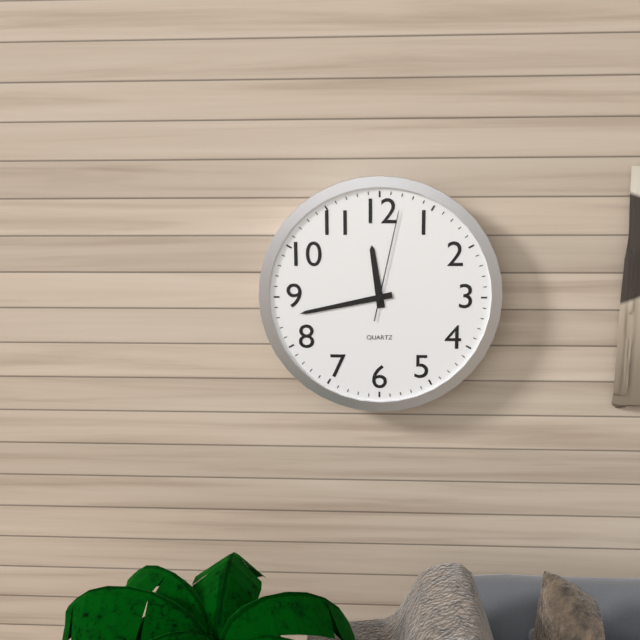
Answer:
**11:43:02**
